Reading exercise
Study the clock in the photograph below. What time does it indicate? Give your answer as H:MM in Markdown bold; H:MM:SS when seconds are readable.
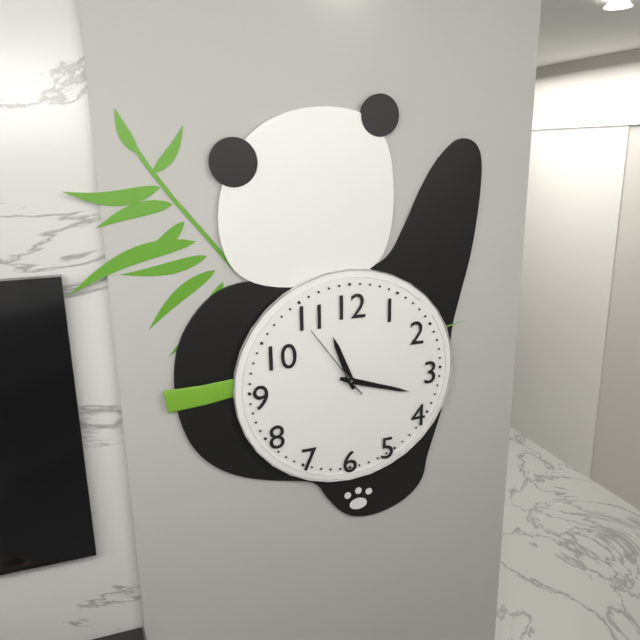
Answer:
**11:18:54**
